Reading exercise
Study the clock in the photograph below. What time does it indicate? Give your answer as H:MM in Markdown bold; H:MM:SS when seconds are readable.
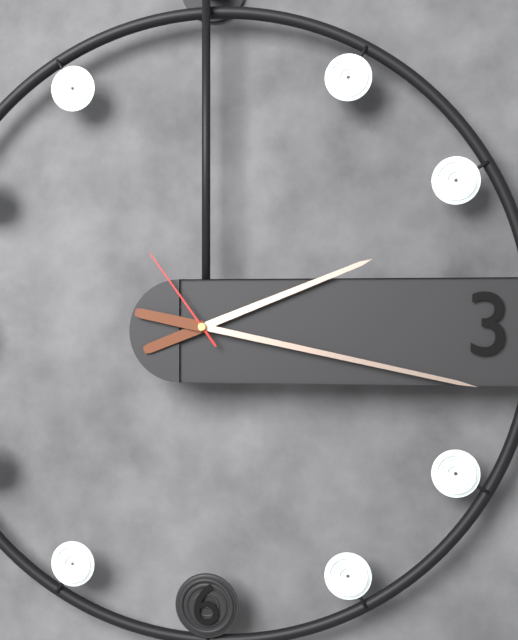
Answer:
**2:17:54**
